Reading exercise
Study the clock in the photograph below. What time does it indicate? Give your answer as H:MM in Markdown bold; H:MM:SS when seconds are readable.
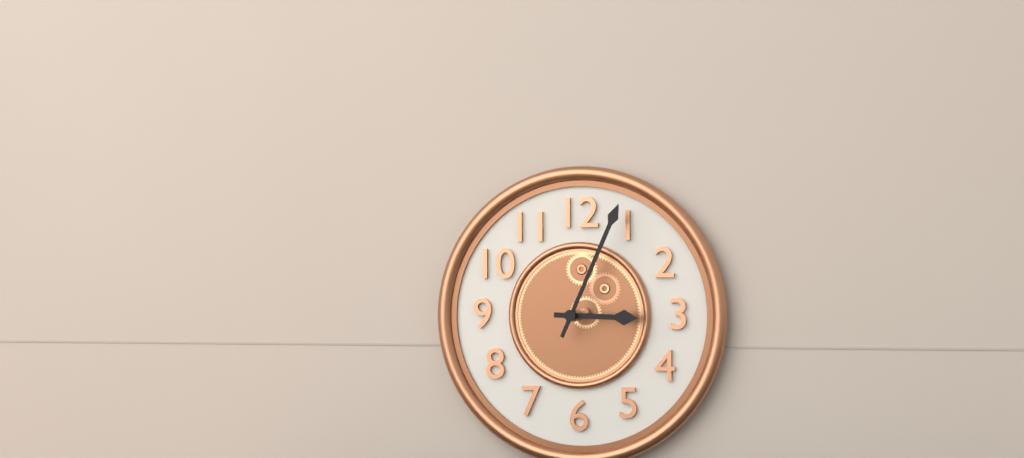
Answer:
**3:04**
